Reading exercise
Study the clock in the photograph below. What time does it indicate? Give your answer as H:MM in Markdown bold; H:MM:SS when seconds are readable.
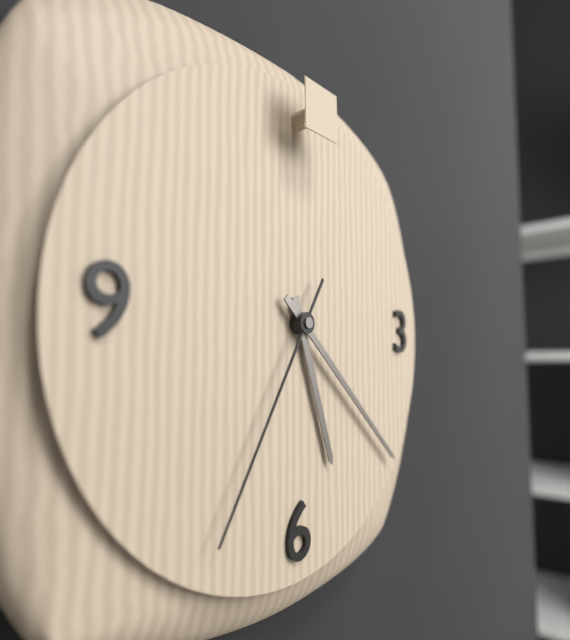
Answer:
**5:22:35**
